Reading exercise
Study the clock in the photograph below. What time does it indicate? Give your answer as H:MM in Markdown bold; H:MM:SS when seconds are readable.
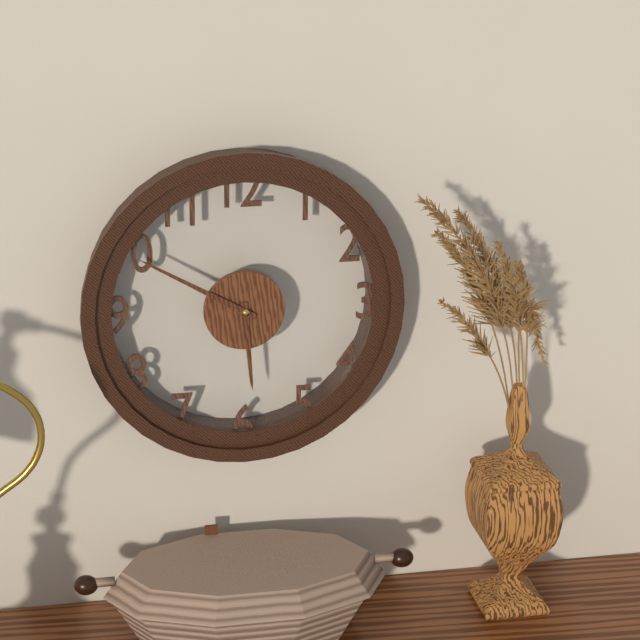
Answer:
**5:50**
